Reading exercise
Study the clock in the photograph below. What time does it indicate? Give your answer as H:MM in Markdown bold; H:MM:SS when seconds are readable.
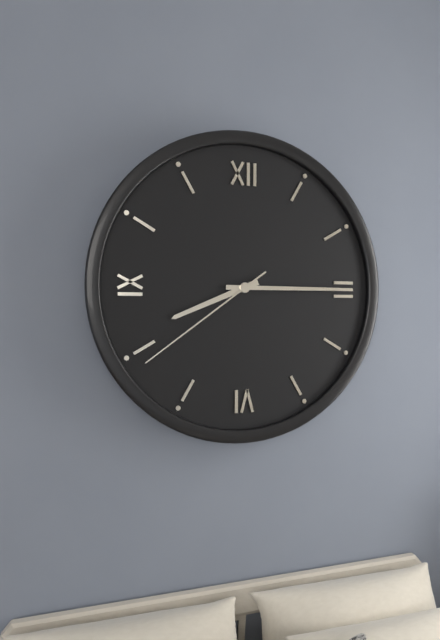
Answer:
**8:15:39**
